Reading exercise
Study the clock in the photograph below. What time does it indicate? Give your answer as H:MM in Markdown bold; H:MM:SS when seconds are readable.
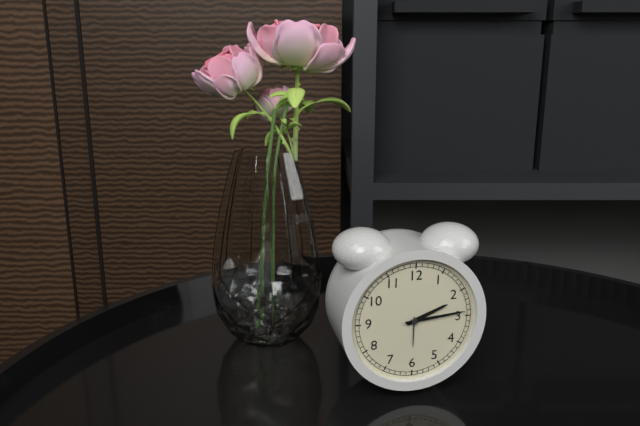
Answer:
**2:14**
